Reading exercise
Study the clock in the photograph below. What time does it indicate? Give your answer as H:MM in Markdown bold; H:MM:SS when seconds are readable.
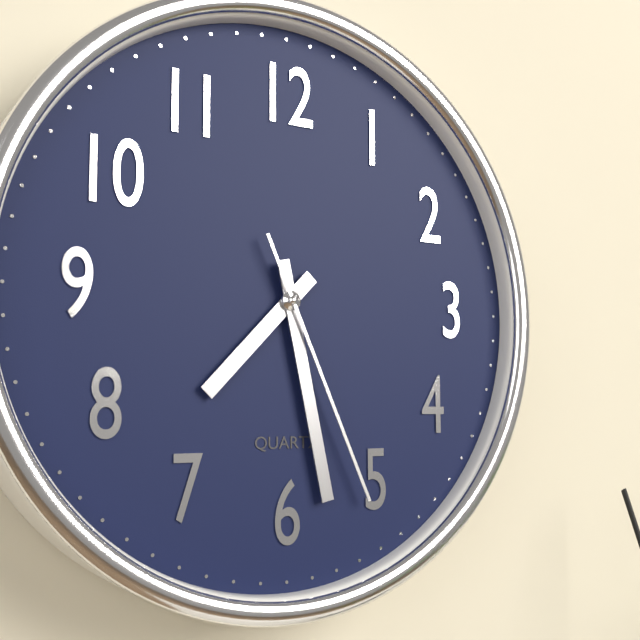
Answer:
**7:28:26**
